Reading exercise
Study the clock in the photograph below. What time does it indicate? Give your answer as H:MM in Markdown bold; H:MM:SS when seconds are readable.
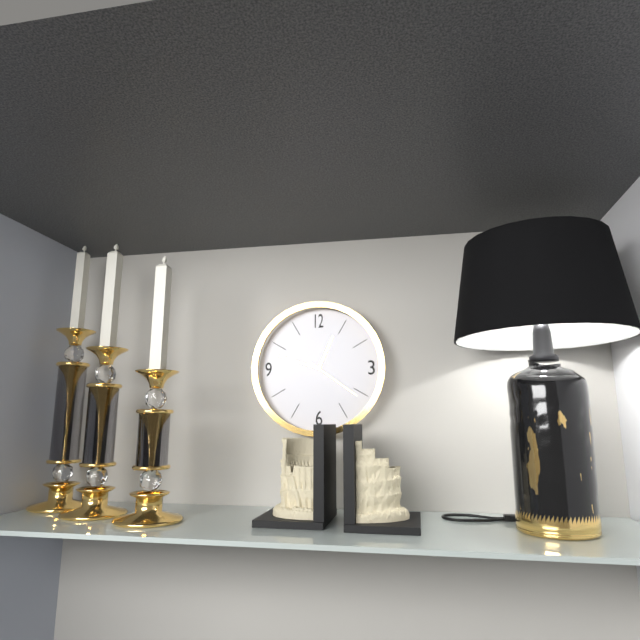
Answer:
**12:48:21**
